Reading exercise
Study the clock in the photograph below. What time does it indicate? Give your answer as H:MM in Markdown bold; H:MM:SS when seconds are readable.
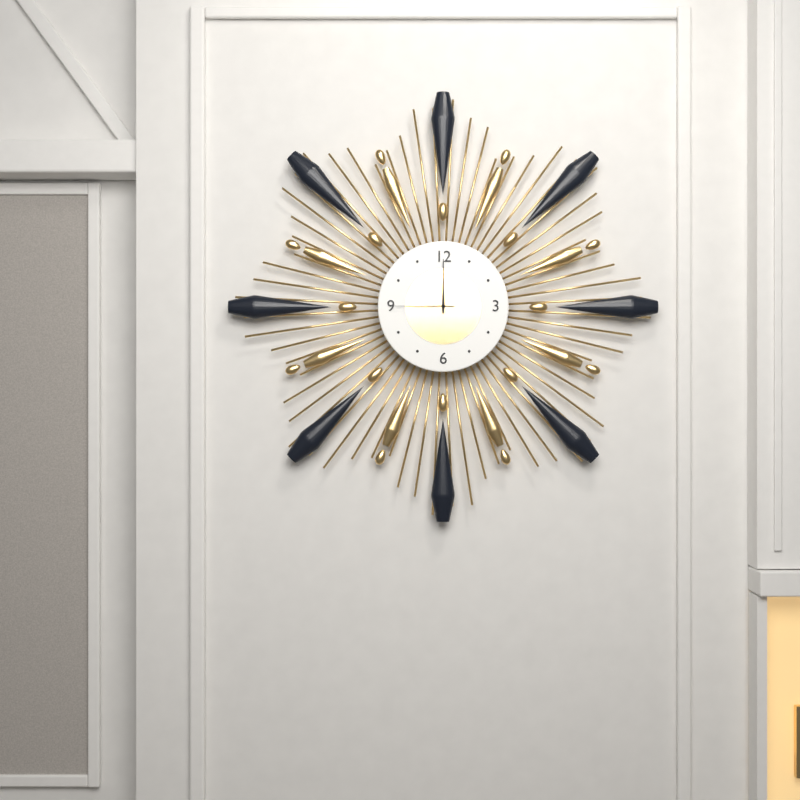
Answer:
**12:00:45**
